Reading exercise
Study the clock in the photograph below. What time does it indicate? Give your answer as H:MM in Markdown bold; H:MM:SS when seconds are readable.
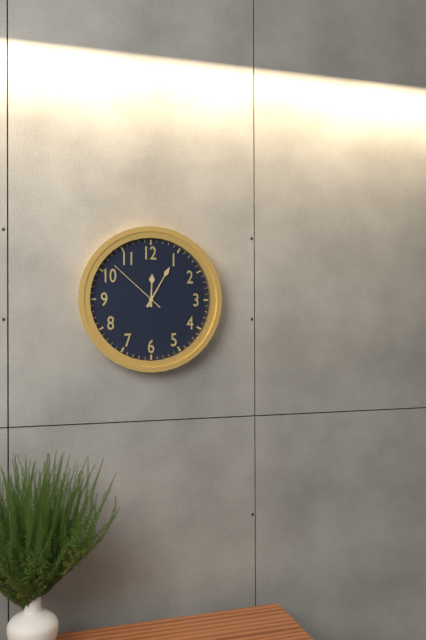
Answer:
**12:05:52**
